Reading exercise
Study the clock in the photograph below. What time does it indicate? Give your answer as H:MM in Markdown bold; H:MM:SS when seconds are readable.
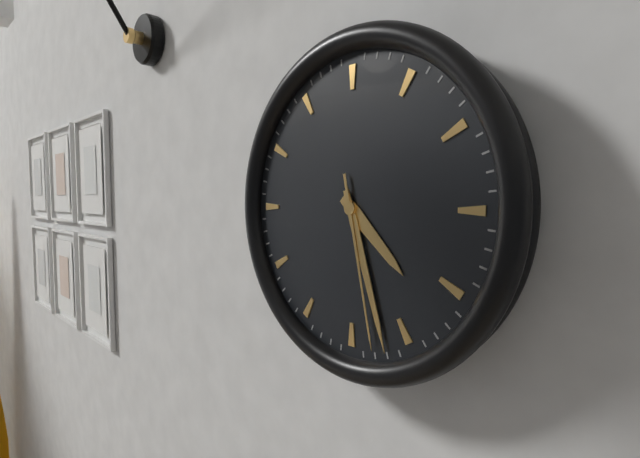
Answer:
**4:27:28**
